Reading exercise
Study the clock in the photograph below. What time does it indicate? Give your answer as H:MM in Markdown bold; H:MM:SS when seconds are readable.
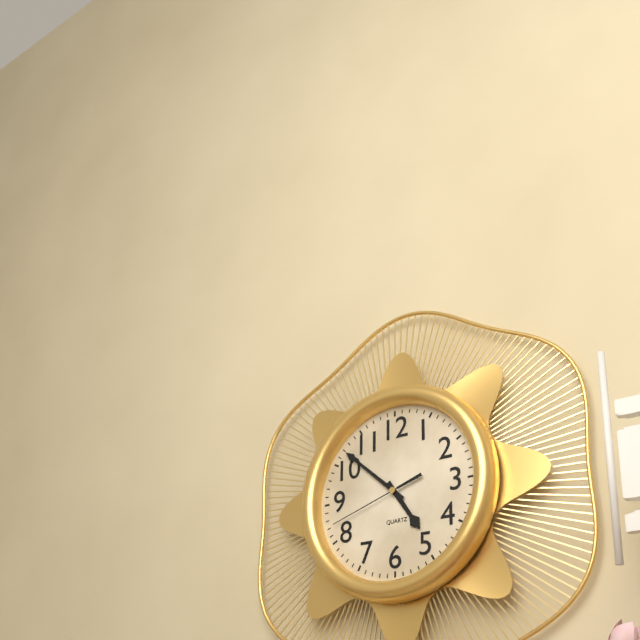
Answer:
**4:52:42**
